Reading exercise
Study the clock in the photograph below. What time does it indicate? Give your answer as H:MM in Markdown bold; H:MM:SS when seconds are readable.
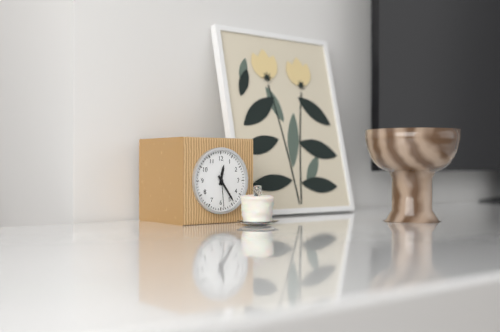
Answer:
**12:24**
